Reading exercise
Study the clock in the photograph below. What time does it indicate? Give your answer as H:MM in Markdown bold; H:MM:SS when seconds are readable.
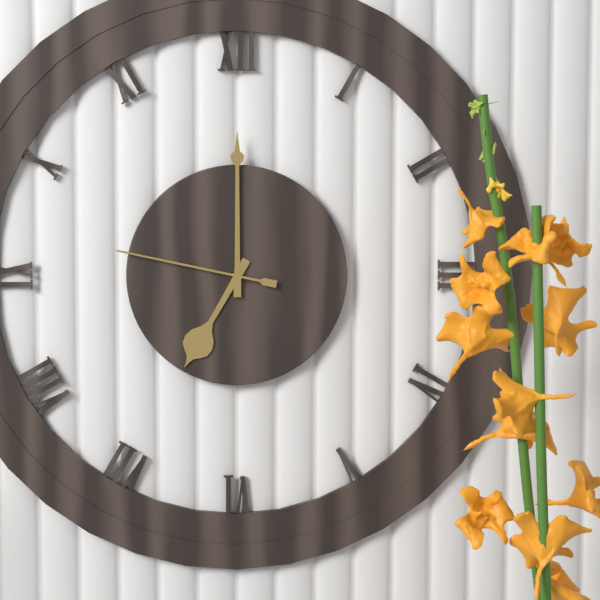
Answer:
**7:00:47**
